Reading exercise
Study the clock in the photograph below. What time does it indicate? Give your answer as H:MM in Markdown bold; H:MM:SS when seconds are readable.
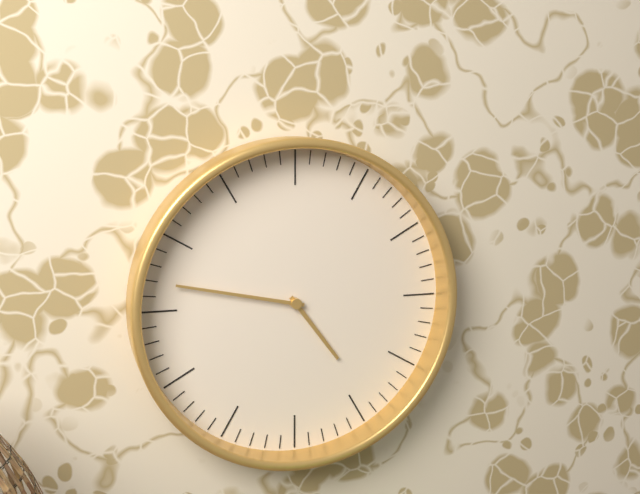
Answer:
**4:47**
